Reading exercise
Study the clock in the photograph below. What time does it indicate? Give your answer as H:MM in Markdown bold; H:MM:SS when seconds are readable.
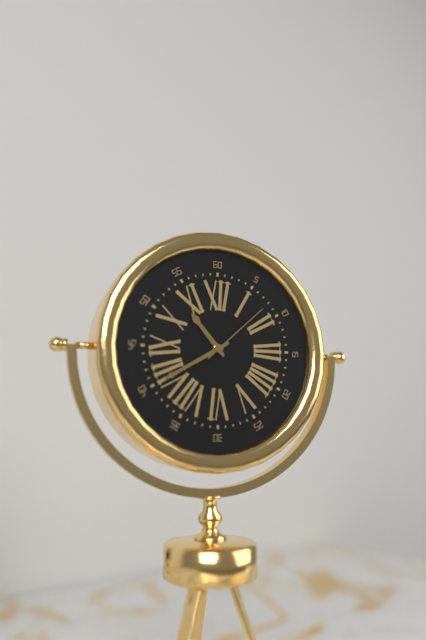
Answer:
**10:40:08**
